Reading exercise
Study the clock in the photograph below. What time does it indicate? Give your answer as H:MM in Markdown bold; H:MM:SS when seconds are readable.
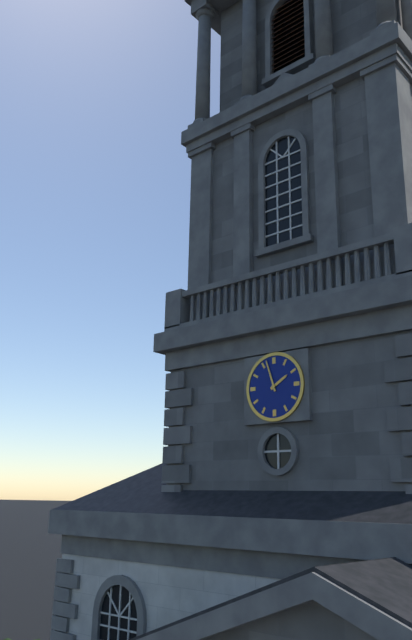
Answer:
**1:57**
